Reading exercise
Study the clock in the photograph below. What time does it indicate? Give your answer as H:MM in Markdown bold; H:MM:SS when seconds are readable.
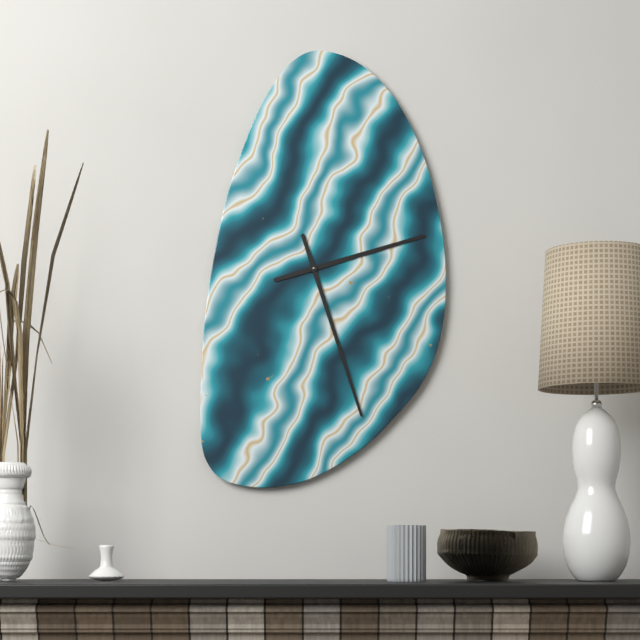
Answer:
**2:27**
